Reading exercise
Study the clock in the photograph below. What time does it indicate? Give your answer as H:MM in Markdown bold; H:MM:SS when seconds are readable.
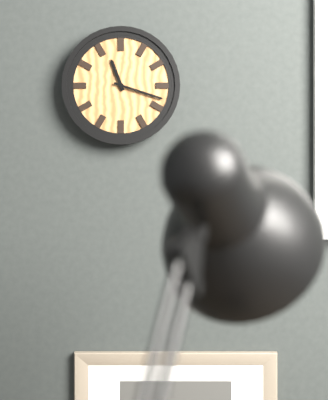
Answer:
**11:18**
